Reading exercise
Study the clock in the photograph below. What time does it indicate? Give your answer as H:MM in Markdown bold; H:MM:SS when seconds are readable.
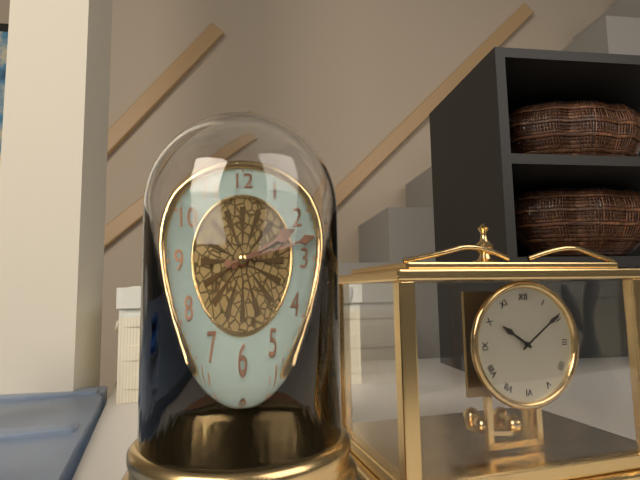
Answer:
**2:13**
